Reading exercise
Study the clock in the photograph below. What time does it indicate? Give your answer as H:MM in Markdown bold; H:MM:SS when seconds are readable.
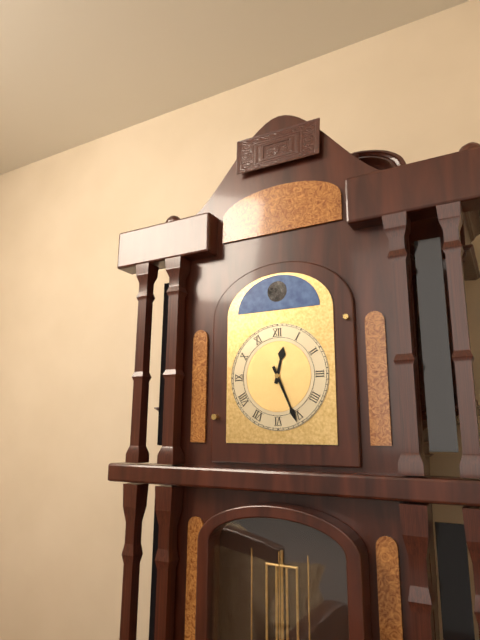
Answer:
**12:26**
